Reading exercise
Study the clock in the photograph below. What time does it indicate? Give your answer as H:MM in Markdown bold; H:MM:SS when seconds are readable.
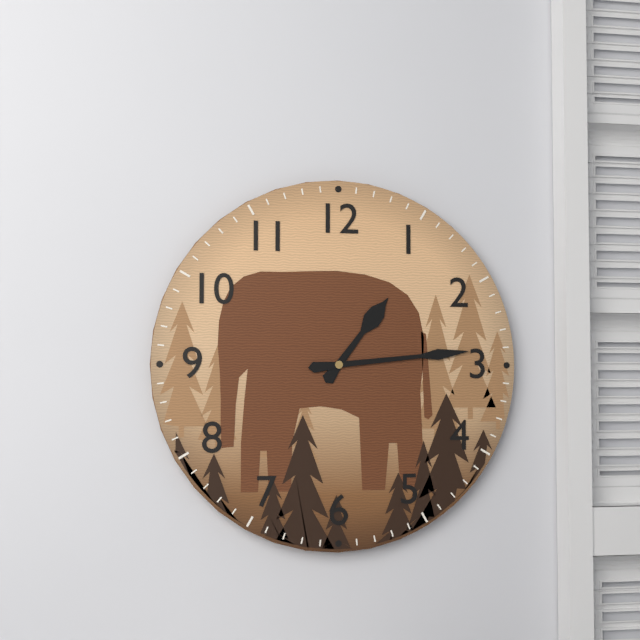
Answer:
**1:14**
